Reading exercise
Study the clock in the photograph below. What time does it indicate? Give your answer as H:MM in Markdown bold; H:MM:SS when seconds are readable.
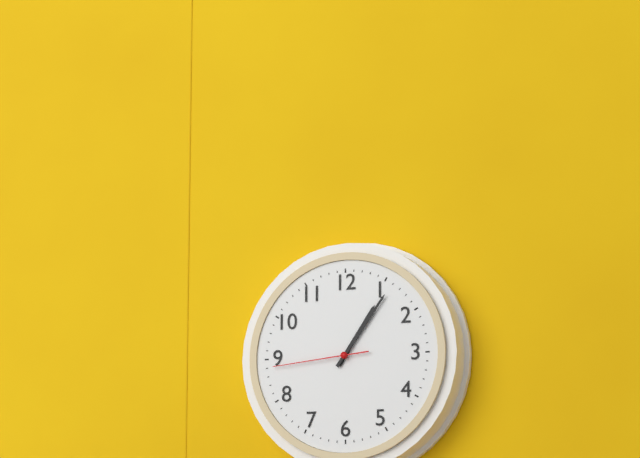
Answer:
**1:06:44**
